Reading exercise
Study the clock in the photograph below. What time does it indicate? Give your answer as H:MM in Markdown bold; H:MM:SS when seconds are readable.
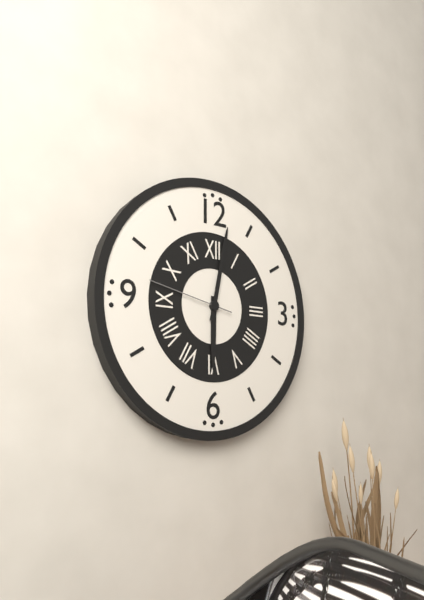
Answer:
**6:02:47**
